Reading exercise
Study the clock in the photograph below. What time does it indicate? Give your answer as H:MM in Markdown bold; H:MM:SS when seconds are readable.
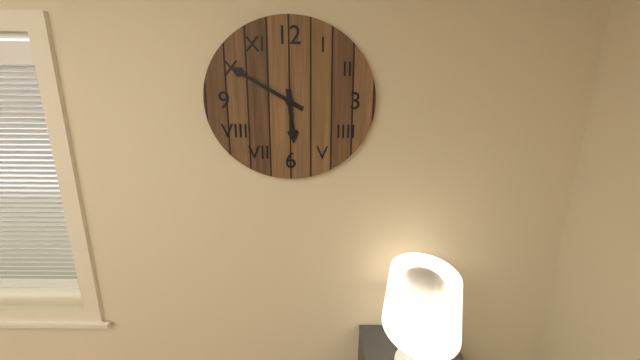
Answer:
**5:50**
